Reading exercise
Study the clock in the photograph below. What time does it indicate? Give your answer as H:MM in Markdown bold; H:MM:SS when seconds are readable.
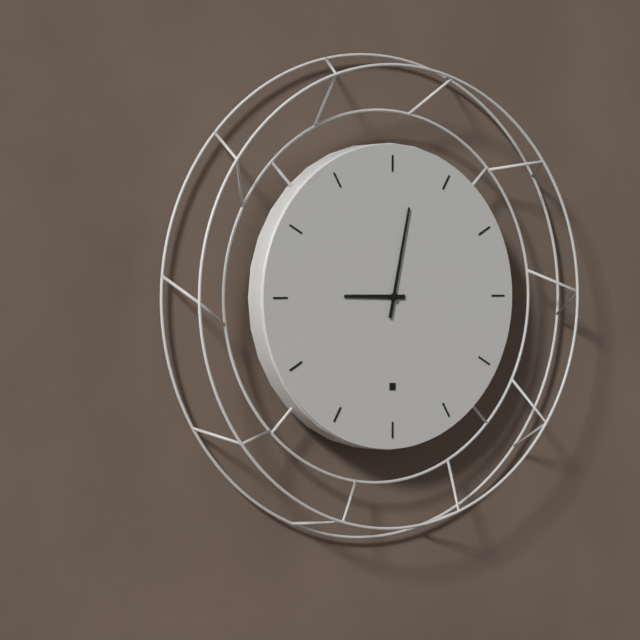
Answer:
**9:02**
